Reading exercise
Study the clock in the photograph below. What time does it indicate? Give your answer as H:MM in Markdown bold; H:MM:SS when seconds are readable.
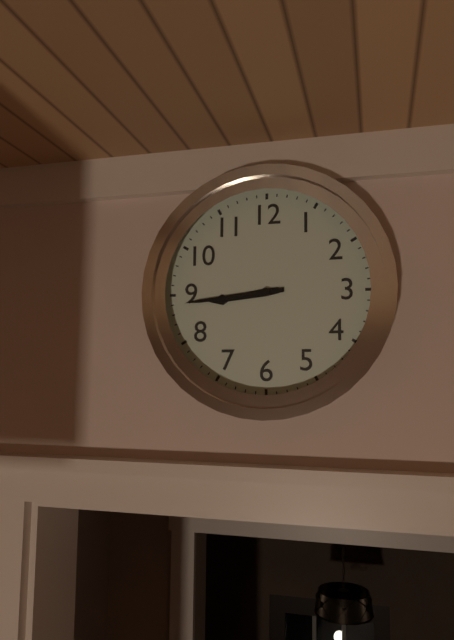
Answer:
**8:44**
